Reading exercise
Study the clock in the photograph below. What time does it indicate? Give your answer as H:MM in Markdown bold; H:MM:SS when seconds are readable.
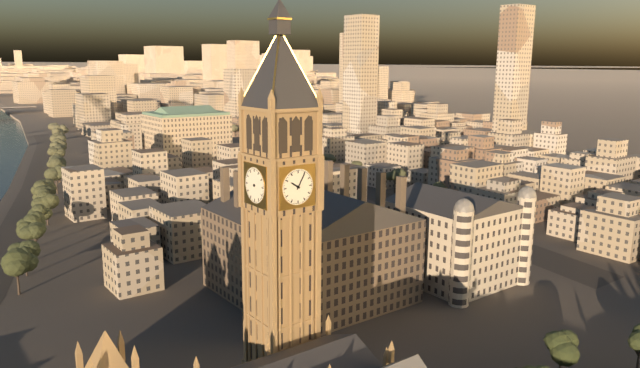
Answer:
**10:05**
